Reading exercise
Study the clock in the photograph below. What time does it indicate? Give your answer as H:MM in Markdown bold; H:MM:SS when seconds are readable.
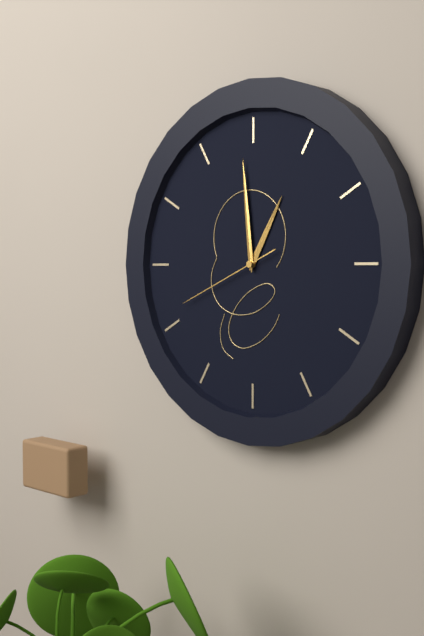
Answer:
**12:59:41**
